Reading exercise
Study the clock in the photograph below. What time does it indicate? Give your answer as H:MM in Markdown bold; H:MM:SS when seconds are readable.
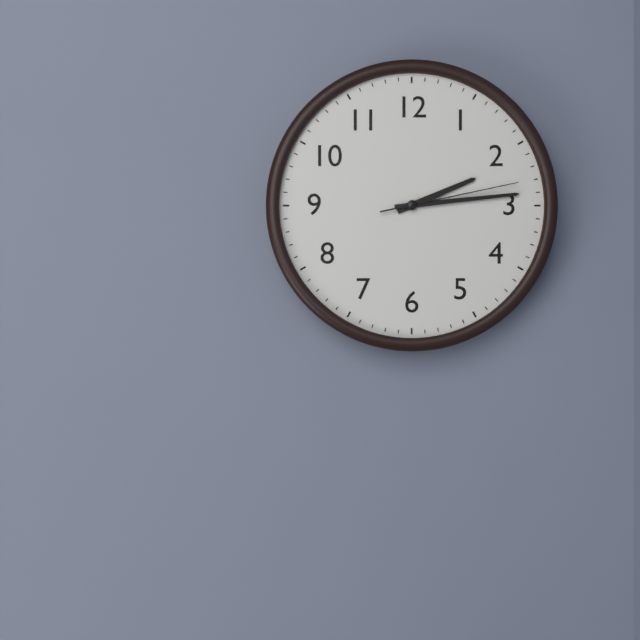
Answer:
**2:14:13**
